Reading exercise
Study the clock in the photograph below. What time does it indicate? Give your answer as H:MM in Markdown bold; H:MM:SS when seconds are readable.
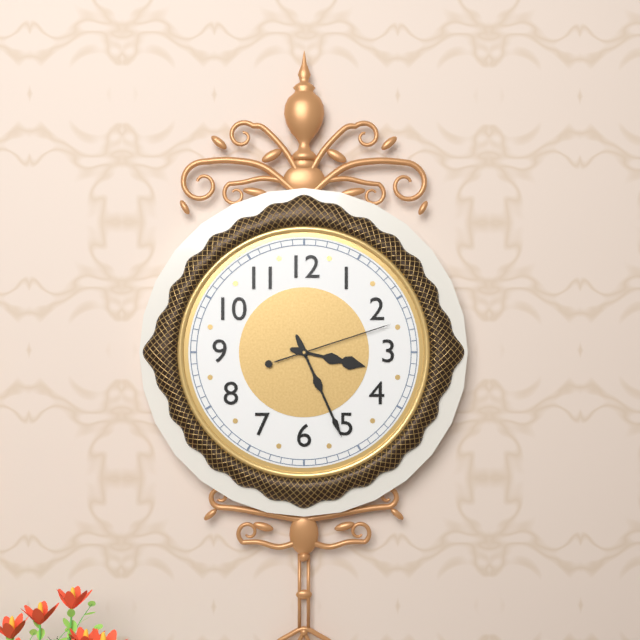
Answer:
**3:26:12**
